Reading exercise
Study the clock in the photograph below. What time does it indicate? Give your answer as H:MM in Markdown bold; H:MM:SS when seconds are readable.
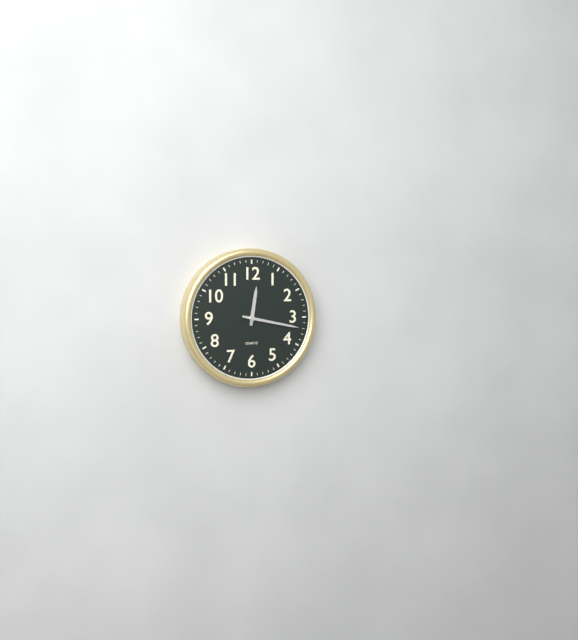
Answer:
**12:17**
